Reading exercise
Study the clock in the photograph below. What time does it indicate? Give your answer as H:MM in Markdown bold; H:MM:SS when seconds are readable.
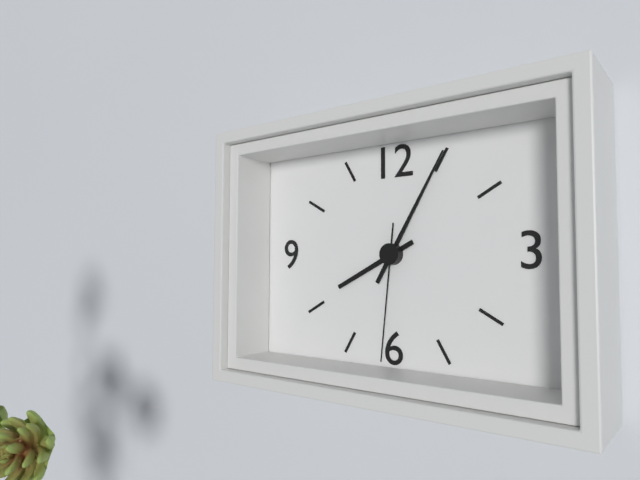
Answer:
**8:05:31**
